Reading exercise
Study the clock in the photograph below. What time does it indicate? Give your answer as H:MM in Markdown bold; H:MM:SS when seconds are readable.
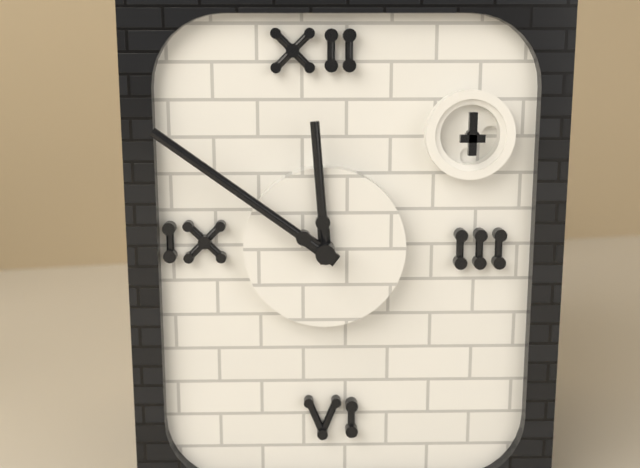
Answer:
**11:51**
